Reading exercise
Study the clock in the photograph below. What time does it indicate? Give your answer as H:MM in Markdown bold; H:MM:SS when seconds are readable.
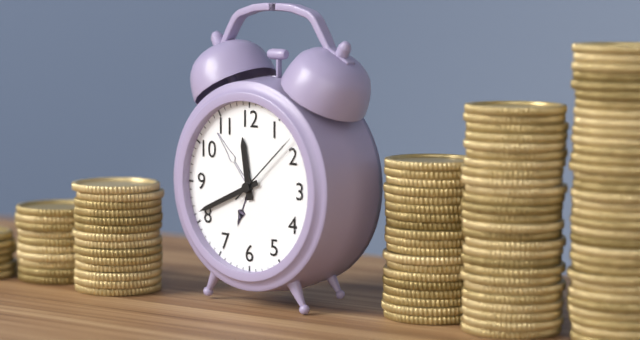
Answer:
**11:41:08**
